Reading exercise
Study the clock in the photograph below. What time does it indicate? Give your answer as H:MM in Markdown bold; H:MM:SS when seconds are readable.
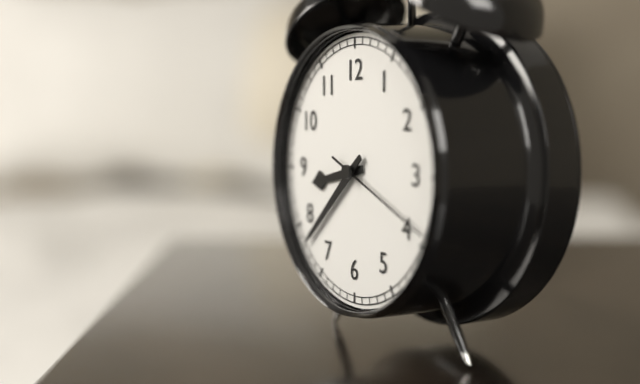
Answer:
**8:38:19**
